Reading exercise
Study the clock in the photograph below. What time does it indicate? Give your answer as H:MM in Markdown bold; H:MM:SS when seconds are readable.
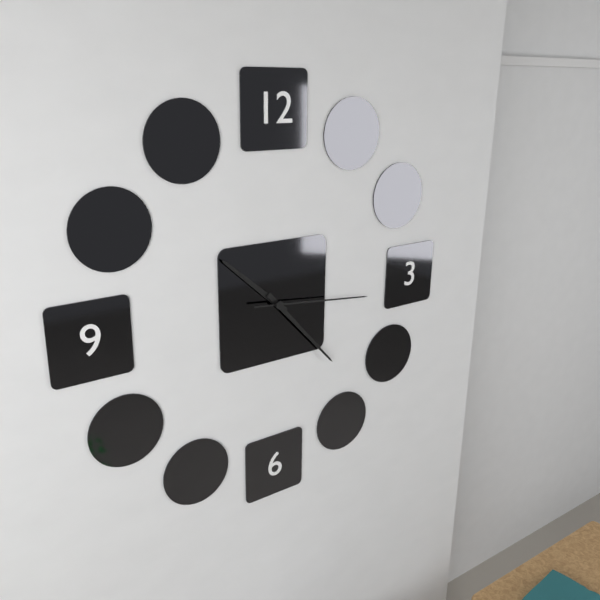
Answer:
**10:23:16**
